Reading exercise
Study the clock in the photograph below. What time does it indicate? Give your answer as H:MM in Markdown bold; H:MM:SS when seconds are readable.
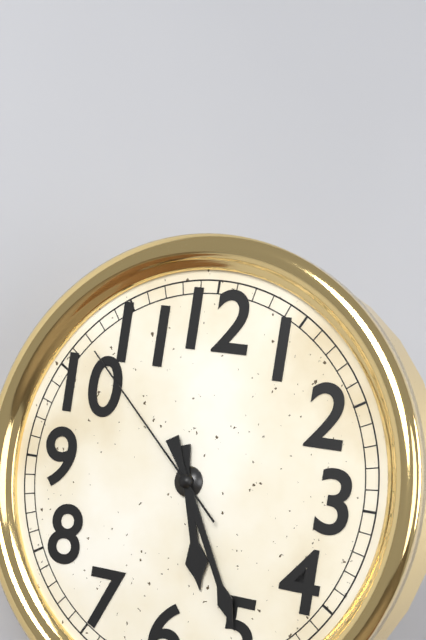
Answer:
**5:25:52**
